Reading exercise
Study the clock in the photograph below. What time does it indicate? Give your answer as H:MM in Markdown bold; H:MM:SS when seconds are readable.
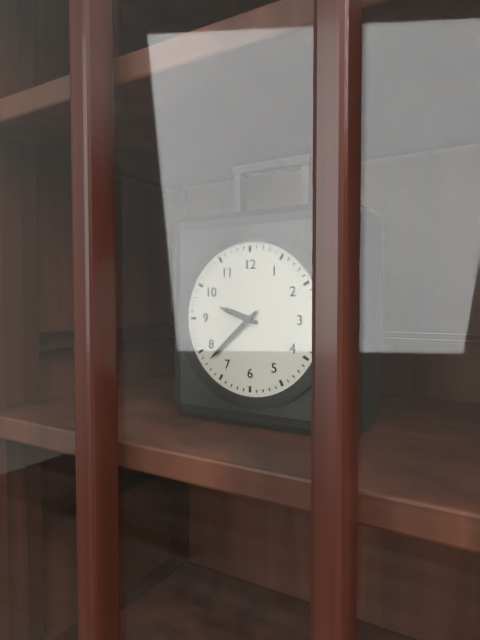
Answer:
**9:38**
